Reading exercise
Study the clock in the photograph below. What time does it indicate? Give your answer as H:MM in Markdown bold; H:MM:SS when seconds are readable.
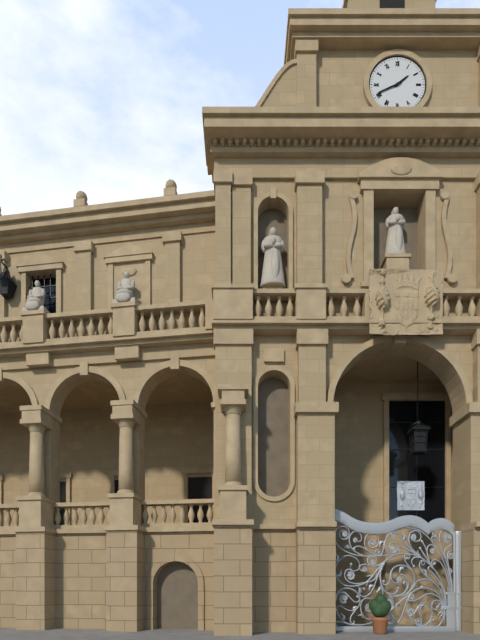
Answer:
**1:41**
